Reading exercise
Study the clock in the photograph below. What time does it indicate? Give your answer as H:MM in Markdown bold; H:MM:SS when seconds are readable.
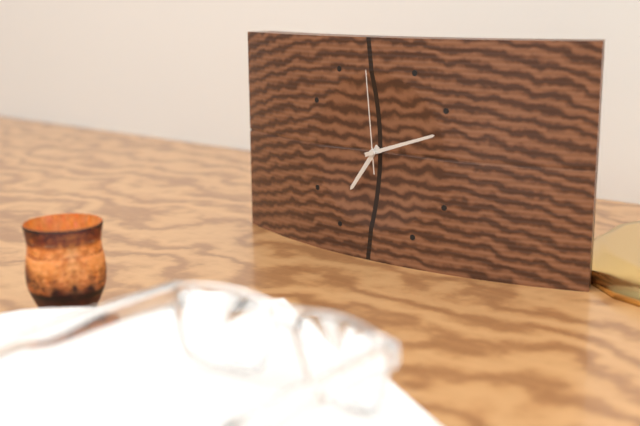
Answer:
**7:12:59**
